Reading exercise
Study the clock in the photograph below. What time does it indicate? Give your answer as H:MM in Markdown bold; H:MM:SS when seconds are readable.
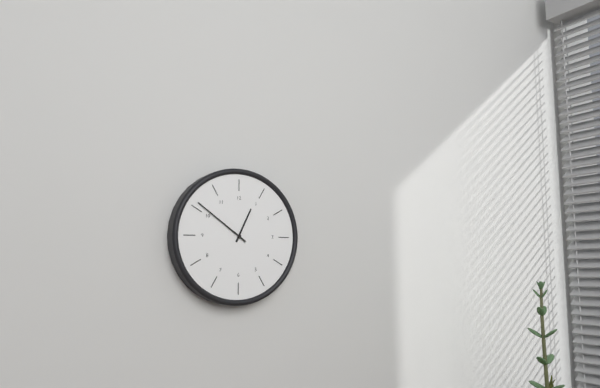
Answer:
**12:51**
